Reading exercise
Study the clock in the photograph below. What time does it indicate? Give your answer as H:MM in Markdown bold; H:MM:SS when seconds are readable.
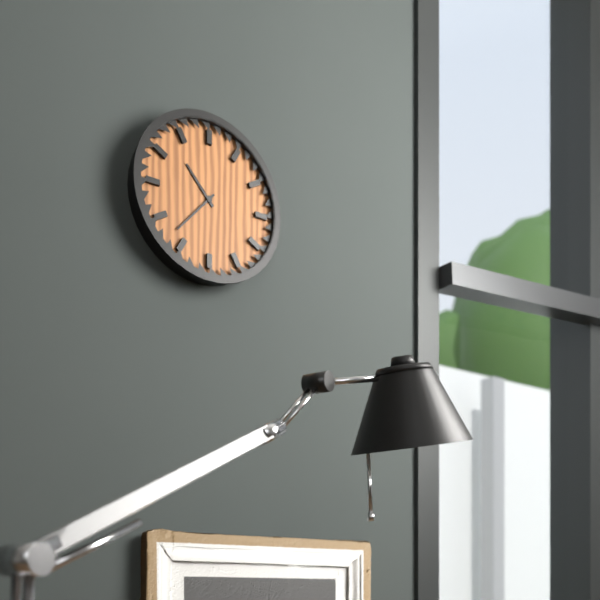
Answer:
**10:37**
